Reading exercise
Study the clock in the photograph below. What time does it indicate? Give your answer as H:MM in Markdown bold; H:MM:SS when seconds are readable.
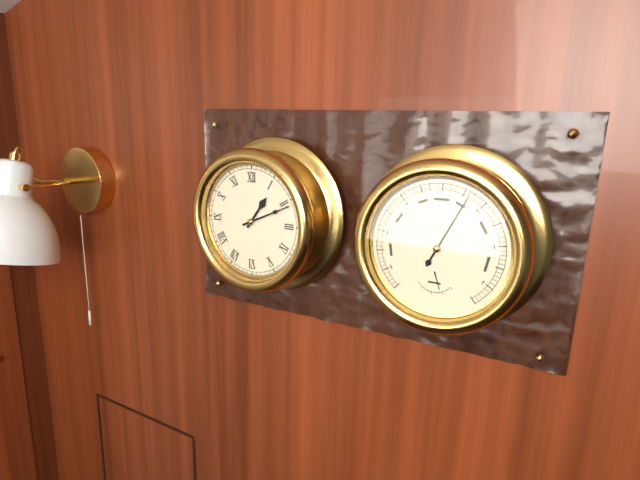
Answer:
**1:11**
